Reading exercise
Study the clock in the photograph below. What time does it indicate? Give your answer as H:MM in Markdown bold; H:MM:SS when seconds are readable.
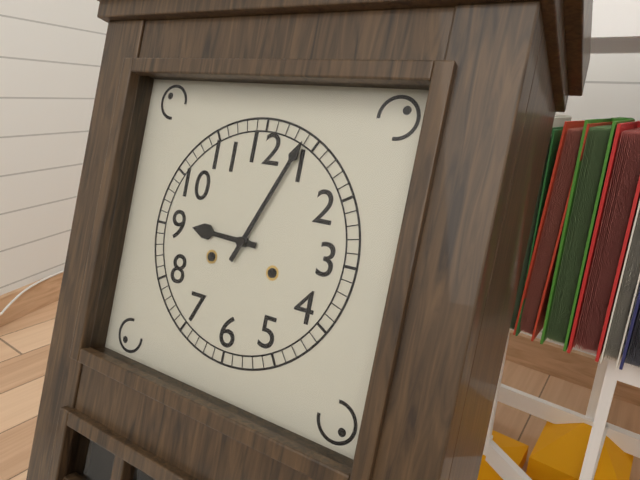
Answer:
**9:04**
